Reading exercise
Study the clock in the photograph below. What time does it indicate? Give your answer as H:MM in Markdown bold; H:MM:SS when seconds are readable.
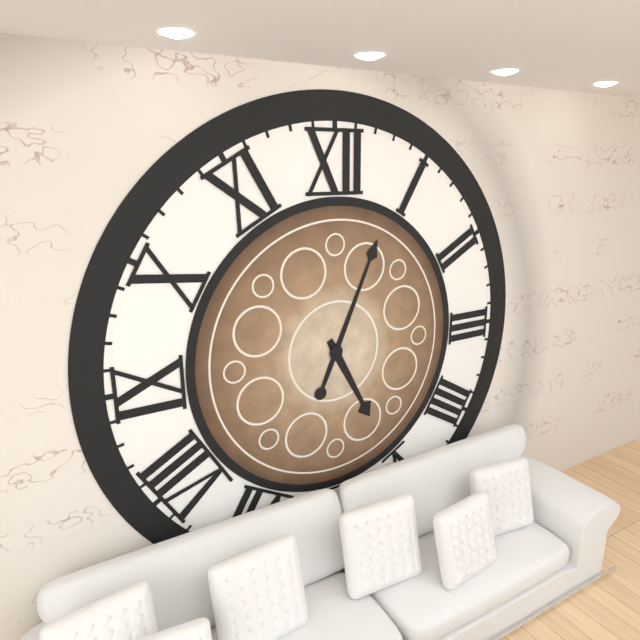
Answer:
**5:04**
